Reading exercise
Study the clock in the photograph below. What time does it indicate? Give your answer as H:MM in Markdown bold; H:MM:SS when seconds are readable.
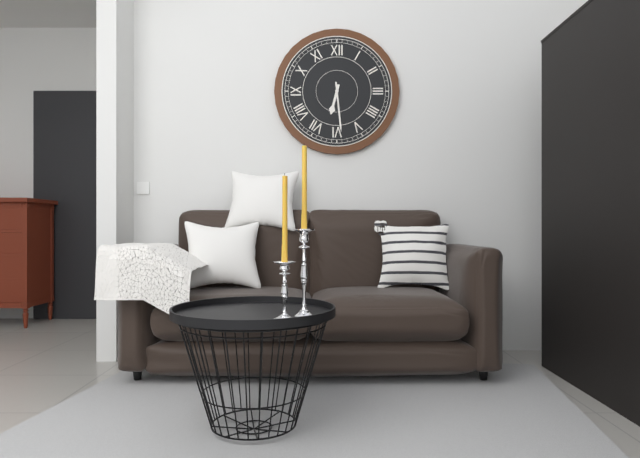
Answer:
**6:29**
